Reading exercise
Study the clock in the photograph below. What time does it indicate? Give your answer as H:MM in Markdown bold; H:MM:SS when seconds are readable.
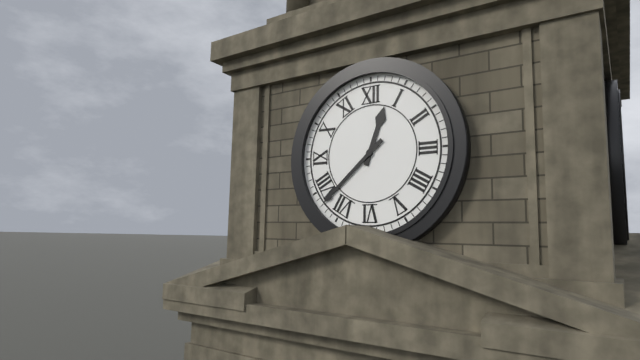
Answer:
**12:38**
